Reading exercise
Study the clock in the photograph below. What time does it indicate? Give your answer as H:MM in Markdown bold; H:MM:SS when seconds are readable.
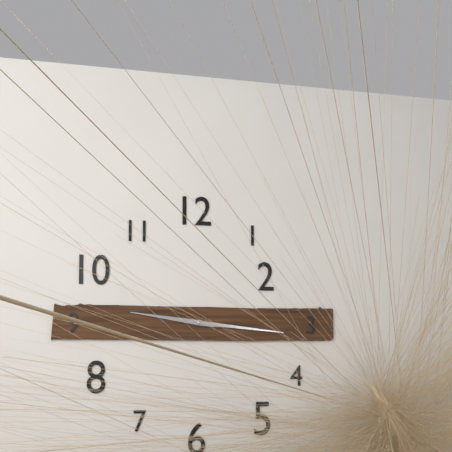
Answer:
**9:16**
